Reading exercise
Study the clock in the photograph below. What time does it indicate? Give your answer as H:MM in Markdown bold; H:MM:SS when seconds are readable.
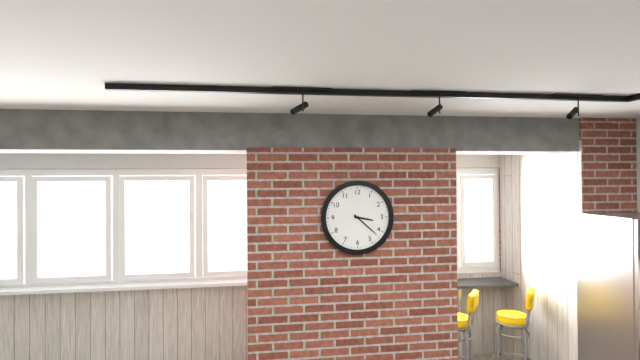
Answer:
**3:22**
